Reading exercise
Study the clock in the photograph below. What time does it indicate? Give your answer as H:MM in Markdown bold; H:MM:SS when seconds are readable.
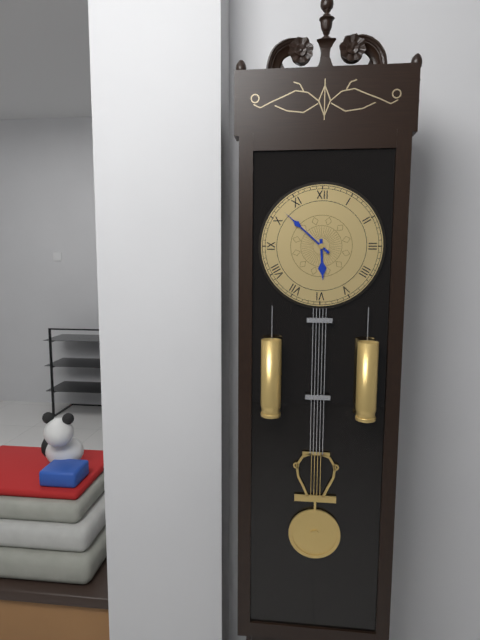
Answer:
**5:52**
